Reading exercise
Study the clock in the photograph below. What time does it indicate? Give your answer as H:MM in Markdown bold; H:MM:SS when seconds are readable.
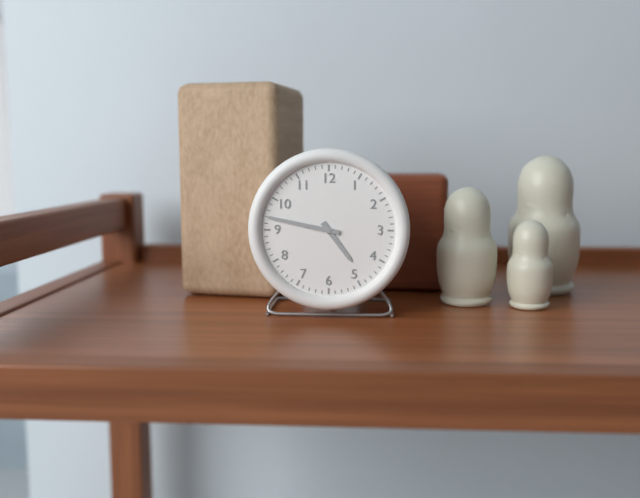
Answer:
**4:47**
